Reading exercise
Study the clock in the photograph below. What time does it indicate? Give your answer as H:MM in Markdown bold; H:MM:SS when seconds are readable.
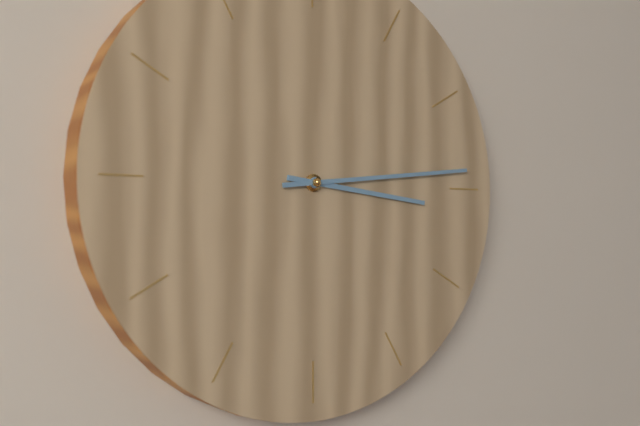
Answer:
**3:14**
